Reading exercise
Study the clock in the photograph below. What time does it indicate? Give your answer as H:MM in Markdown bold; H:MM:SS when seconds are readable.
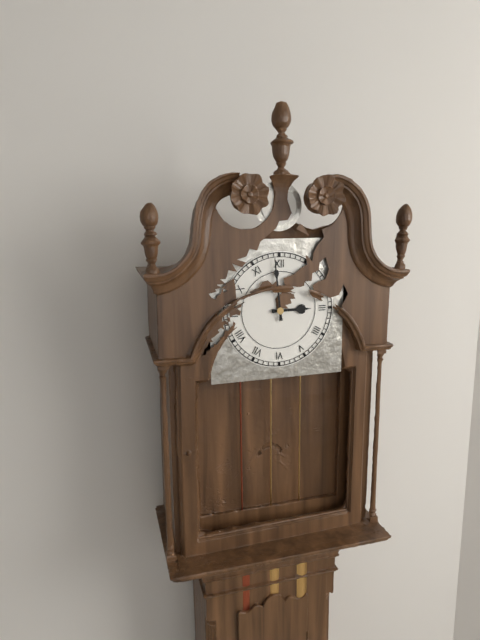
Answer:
**2:59**
